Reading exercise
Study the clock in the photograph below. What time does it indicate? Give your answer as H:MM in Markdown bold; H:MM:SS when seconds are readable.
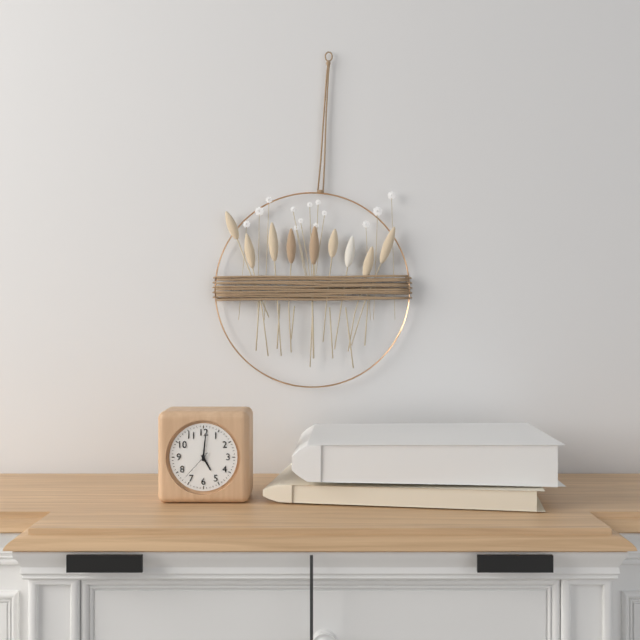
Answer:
**5:01**
